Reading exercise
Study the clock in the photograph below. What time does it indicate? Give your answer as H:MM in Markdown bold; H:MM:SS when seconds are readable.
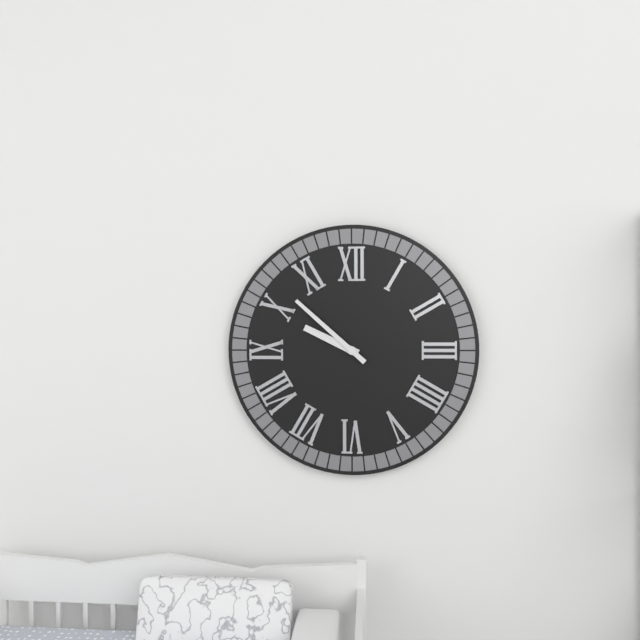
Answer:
**9:52**
